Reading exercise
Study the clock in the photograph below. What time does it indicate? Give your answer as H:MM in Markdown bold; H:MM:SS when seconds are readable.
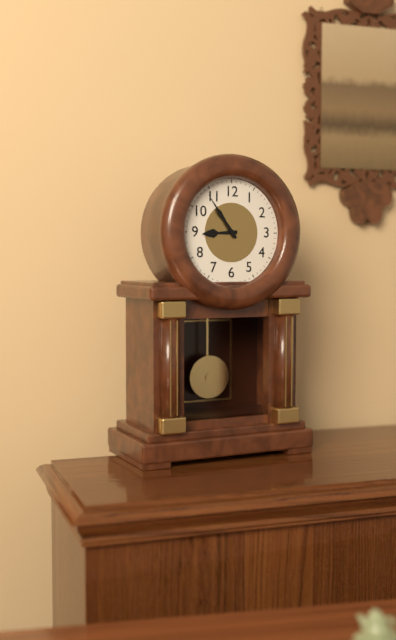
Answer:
**8:54**
